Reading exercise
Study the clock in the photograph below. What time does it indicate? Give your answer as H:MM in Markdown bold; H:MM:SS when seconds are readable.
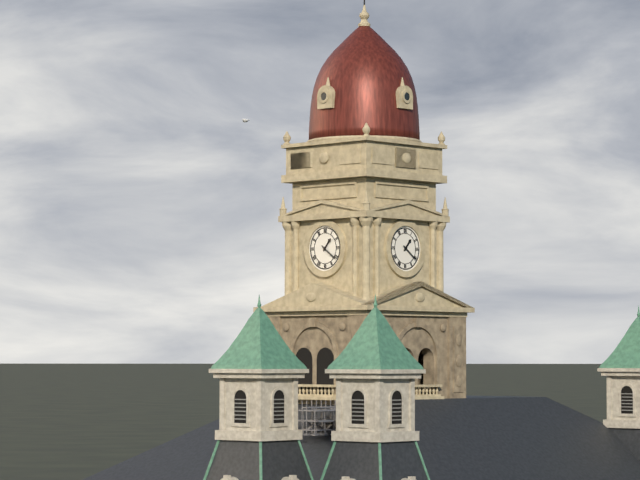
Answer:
**1:21**
